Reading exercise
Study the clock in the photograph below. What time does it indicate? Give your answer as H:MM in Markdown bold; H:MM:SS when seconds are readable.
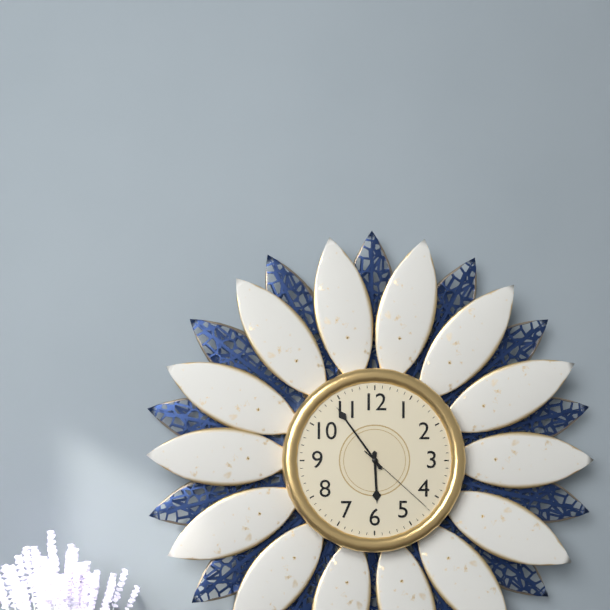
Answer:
**5:54:22**
